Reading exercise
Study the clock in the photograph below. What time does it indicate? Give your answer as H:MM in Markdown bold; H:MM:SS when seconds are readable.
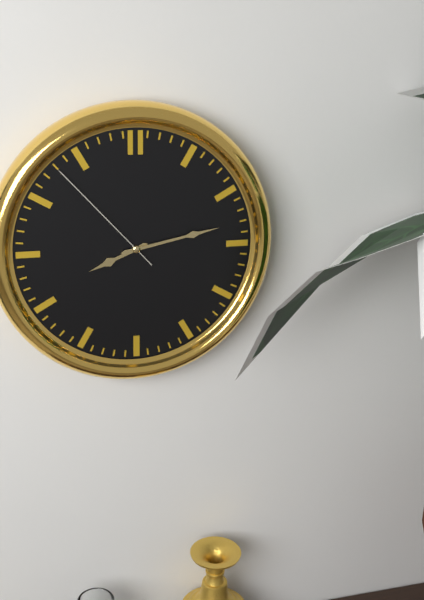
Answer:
**8:13:53**
